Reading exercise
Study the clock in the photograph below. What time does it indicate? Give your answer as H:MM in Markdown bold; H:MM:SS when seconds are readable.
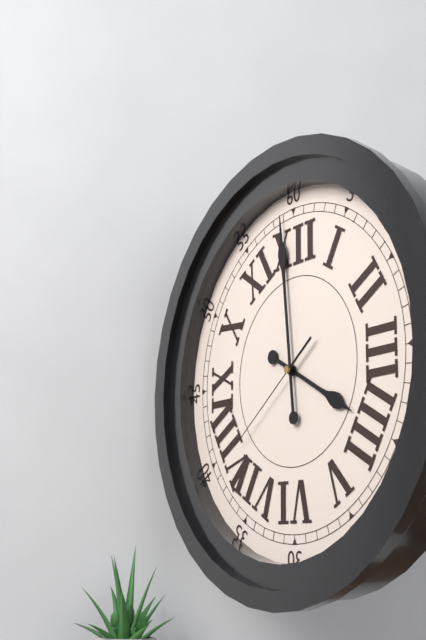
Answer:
**3:59:39**
